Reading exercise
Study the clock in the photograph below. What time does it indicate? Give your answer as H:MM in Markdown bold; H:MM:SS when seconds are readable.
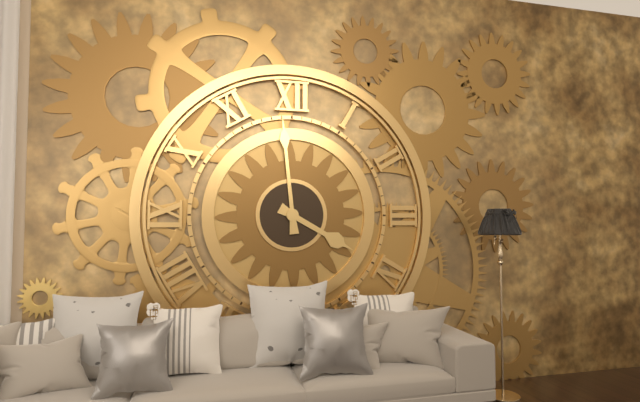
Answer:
**3:59**
